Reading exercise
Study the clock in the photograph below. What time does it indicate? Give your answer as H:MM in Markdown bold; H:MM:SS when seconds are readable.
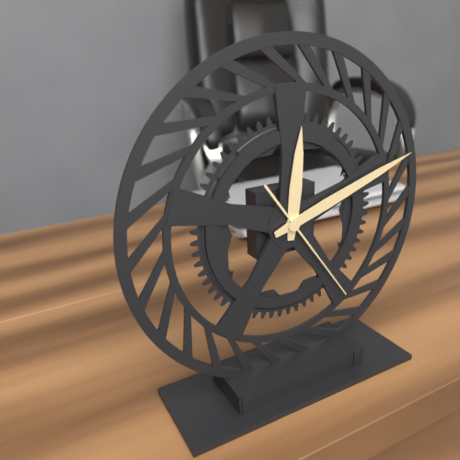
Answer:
**12:12:24**
